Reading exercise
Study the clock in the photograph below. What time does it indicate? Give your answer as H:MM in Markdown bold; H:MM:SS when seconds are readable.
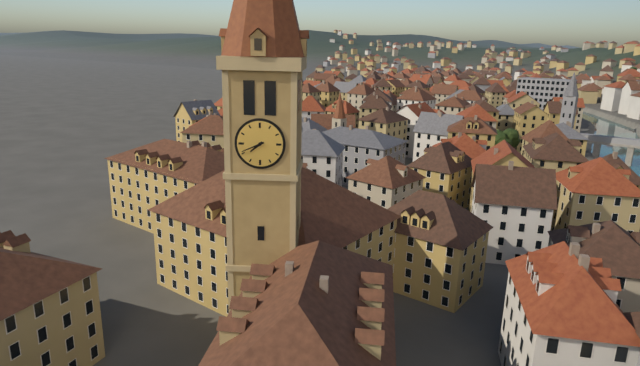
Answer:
**7:41**
